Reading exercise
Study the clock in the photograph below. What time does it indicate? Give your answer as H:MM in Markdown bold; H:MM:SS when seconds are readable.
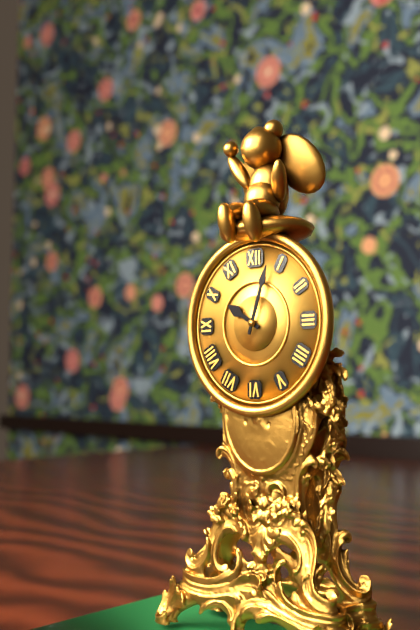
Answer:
**10:03**
